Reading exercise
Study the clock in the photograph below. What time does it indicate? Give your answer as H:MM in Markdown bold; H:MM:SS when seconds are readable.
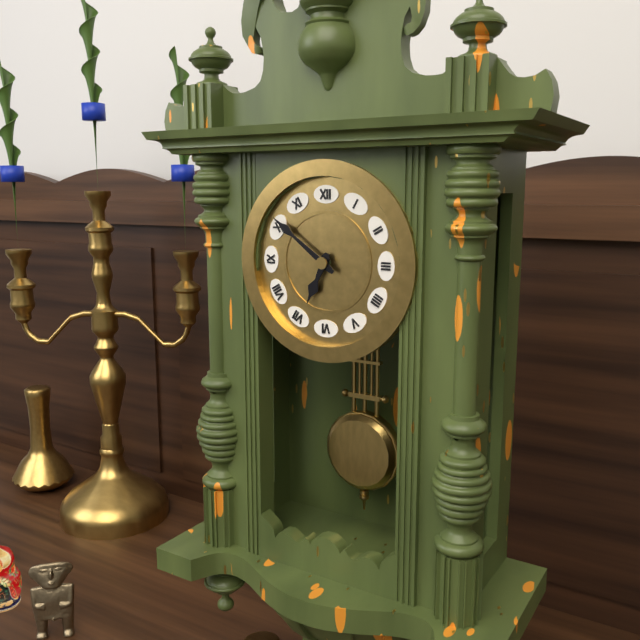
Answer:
**6:51**
